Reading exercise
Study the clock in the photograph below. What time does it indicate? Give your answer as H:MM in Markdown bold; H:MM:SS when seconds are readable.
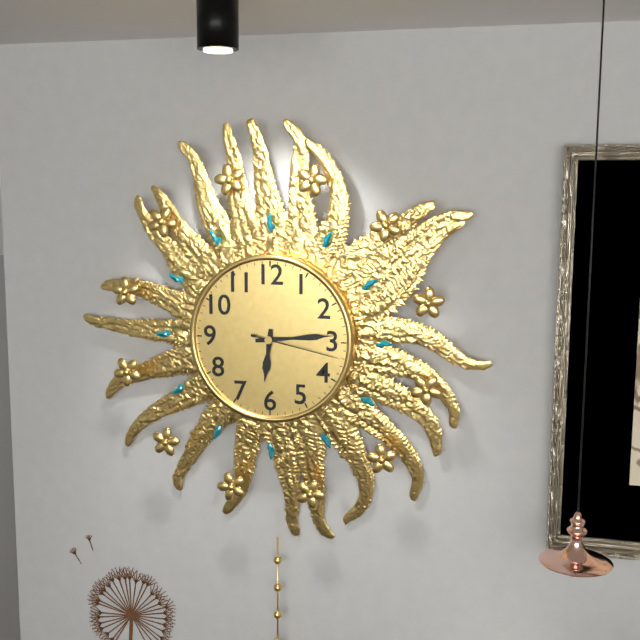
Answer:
**6:14:17**
